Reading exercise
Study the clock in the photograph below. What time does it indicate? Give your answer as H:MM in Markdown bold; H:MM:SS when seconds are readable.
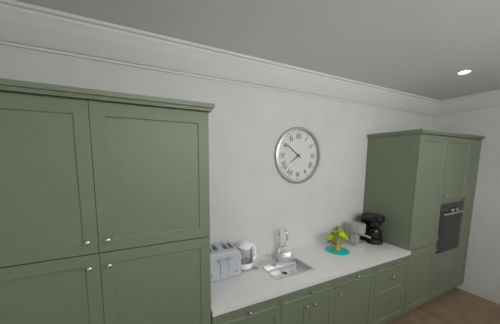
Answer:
**7:51**
